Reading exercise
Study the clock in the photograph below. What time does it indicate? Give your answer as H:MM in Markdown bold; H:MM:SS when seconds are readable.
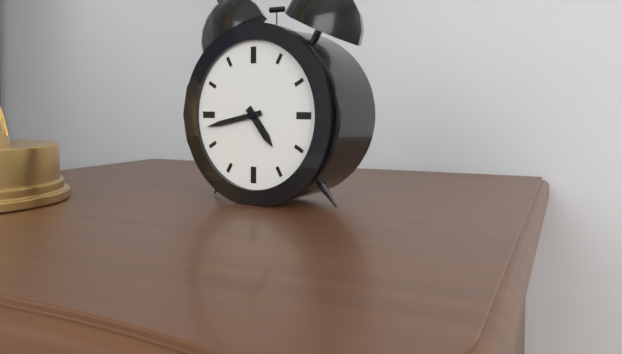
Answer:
**4:43**
